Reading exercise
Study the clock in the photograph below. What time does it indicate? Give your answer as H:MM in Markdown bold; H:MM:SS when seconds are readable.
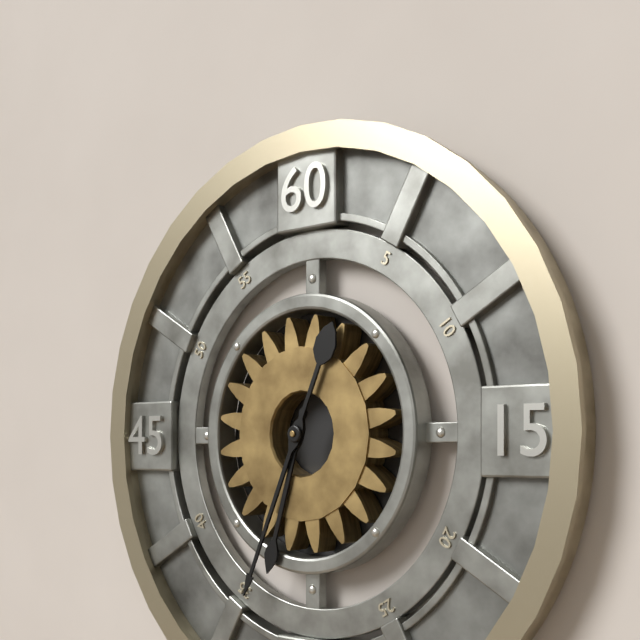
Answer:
**6:34**
